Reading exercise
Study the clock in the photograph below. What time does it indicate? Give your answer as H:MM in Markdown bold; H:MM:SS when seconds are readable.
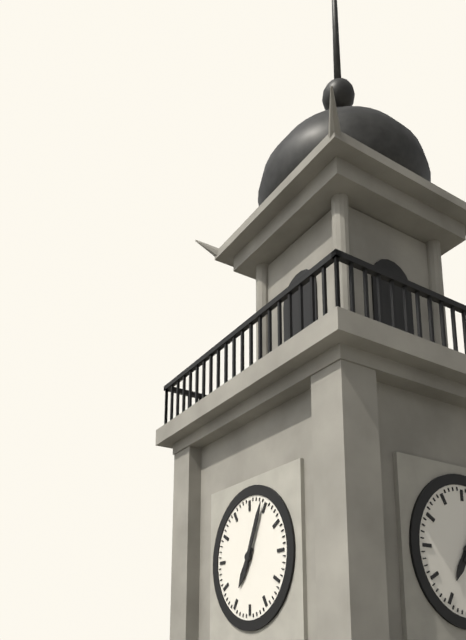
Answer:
**7:04**
